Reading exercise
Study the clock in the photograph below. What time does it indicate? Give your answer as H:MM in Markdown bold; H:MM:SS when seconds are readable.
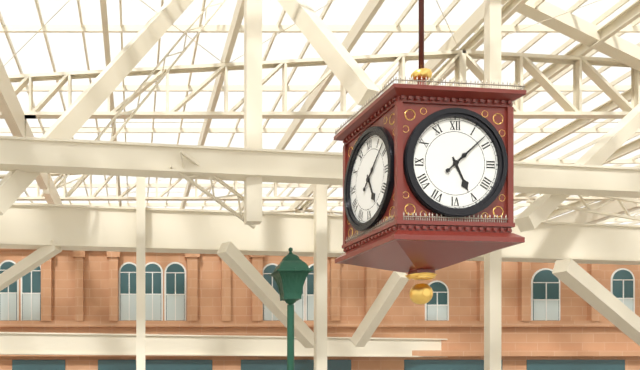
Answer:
**5:08**
